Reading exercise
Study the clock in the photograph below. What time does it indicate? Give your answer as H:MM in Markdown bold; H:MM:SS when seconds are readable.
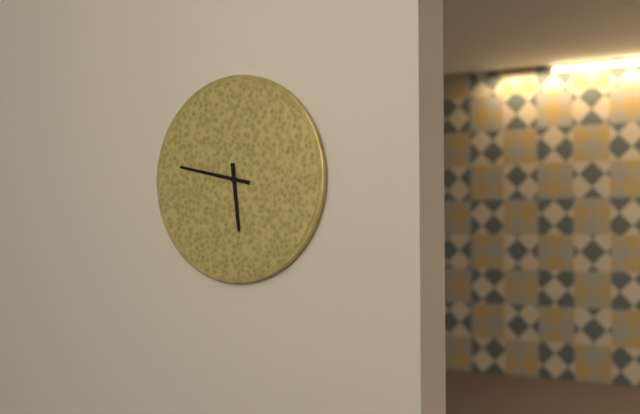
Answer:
**5:47**
